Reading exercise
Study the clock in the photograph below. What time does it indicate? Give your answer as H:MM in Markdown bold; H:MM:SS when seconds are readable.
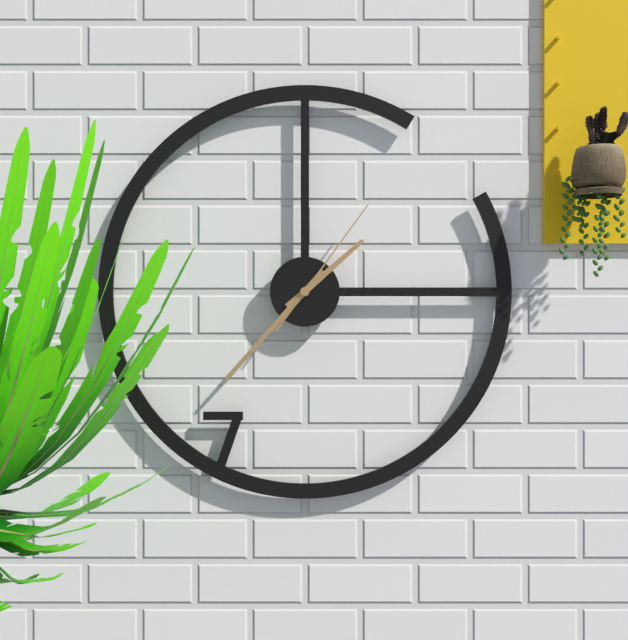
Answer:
**1:37:06**
